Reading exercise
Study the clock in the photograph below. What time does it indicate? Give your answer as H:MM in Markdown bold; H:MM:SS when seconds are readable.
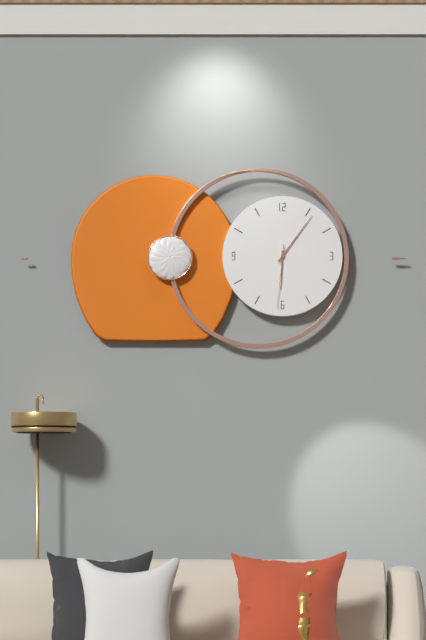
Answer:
**6:06:31**
